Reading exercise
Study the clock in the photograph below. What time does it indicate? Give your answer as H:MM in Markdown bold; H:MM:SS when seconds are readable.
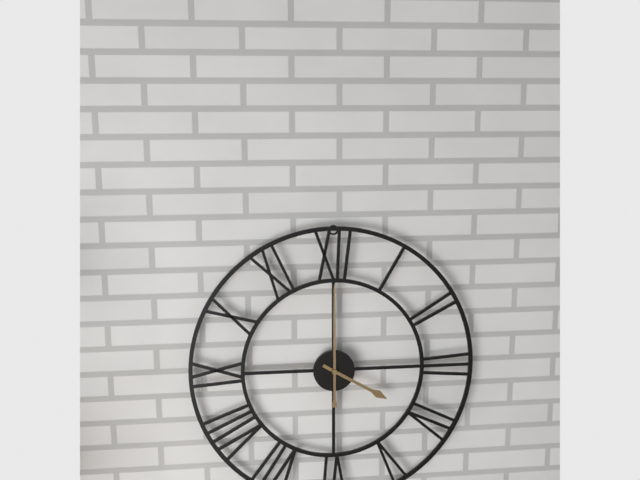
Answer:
**4:00**
